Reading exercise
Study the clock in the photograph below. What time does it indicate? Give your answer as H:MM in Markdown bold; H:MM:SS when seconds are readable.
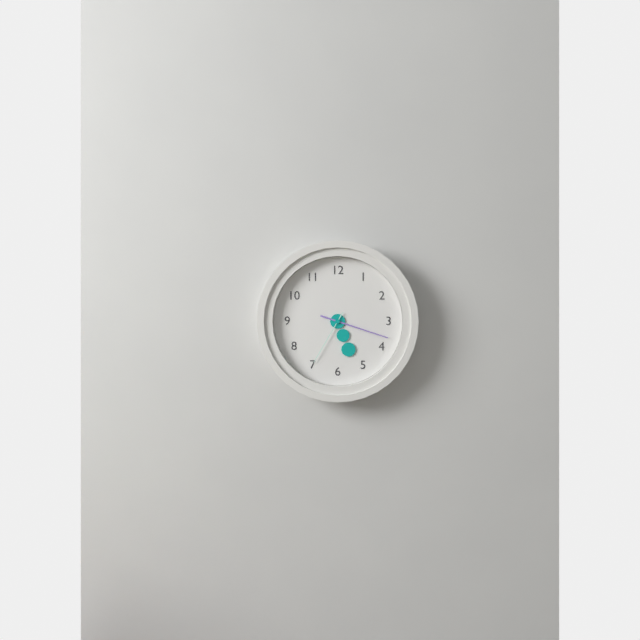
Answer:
**5:18:35**
